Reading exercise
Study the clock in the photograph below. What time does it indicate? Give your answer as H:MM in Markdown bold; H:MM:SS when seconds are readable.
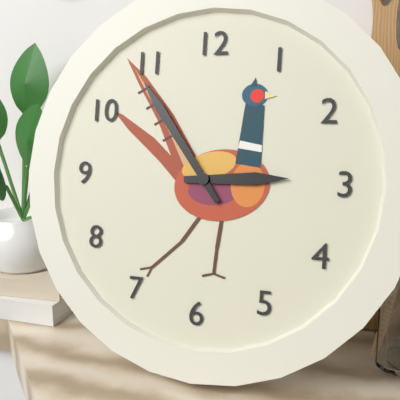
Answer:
**2:54**
